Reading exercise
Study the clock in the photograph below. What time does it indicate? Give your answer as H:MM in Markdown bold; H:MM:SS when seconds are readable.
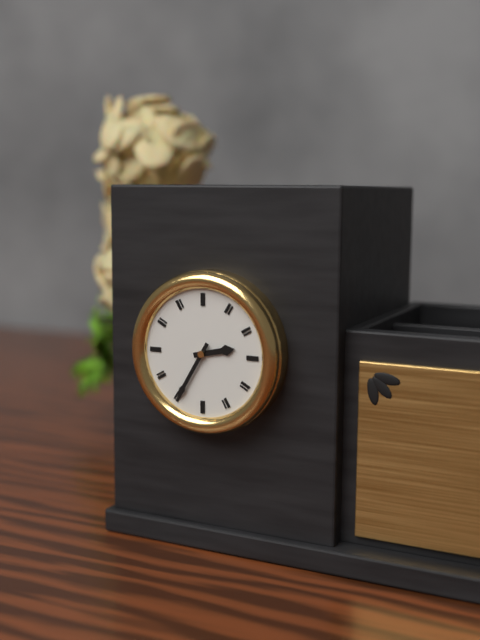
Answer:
**2:35**
